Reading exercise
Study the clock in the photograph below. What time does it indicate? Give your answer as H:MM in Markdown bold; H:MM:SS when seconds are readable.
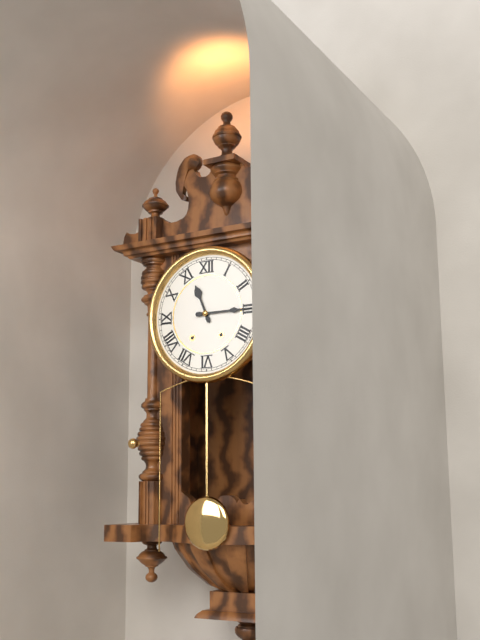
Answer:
**11:15**
